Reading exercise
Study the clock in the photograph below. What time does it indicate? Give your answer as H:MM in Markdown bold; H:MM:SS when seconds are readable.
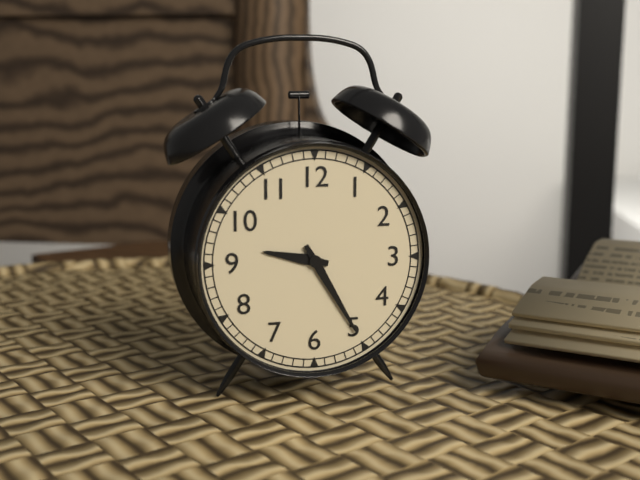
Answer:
**9:25**
